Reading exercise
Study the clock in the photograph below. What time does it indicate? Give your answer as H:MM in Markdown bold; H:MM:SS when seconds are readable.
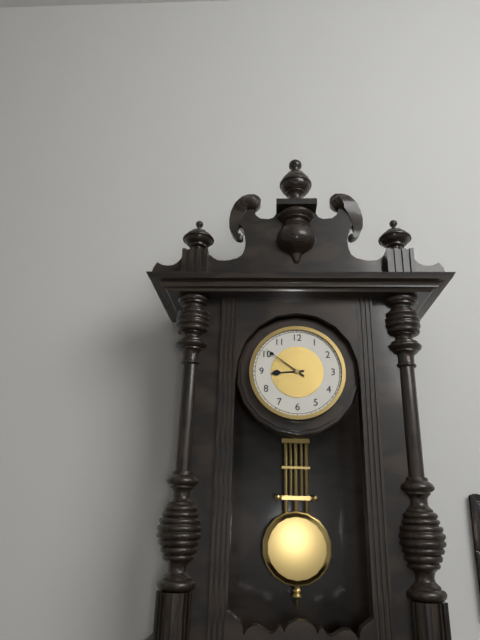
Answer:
**8:51**
